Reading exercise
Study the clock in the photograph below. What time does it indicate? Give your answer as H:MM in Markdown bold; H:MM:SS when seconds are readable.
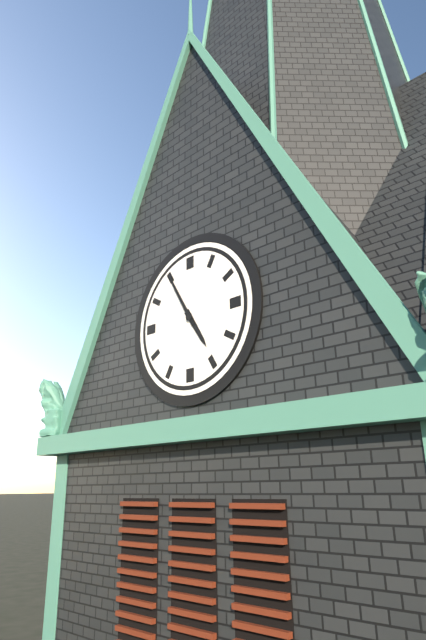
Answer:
**4:55**
